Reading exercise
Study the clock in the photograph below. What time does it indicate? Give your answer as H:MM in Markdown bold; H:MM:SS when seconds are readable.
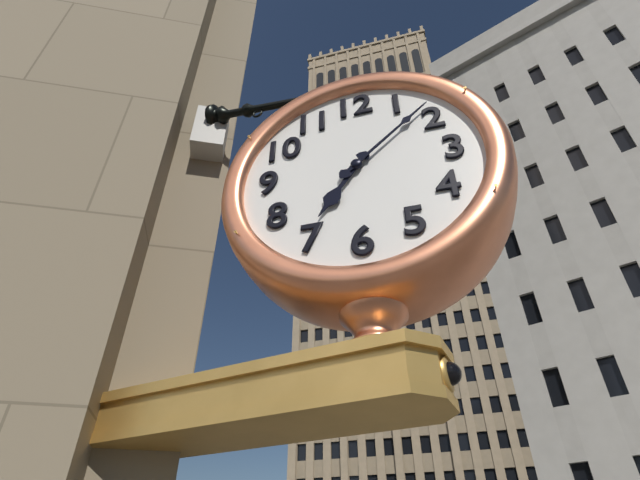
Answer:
**7:08**
